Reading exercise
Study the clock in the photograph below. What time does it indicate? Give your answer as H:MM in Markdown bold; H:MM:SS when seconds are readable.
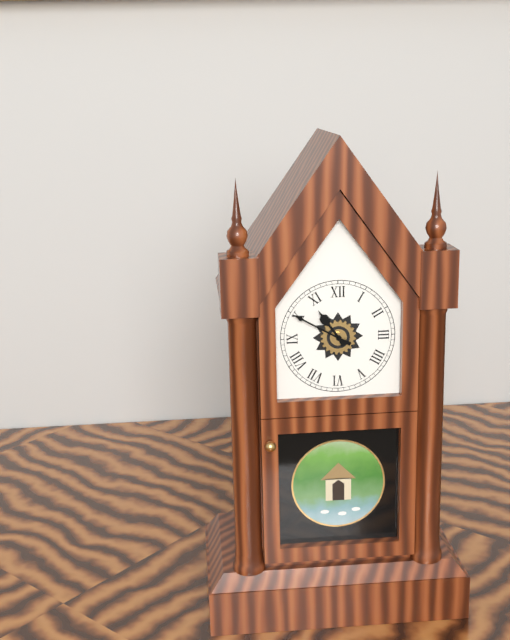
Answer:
**10:50**
